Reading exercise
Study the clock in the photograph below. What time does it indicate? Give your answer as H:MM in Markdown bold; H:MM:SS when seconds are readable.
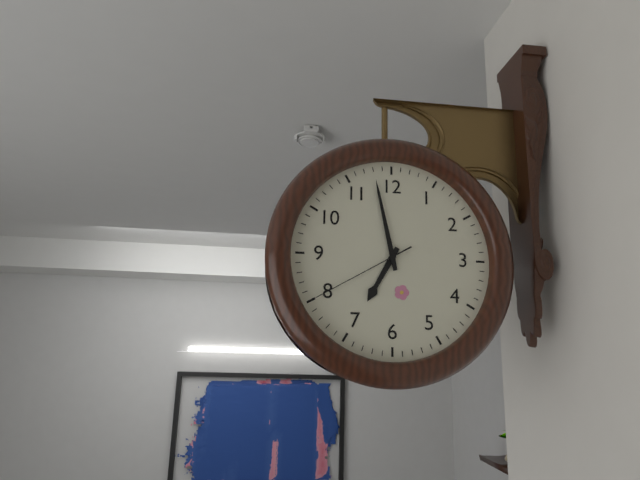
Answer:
**6:58:40**
